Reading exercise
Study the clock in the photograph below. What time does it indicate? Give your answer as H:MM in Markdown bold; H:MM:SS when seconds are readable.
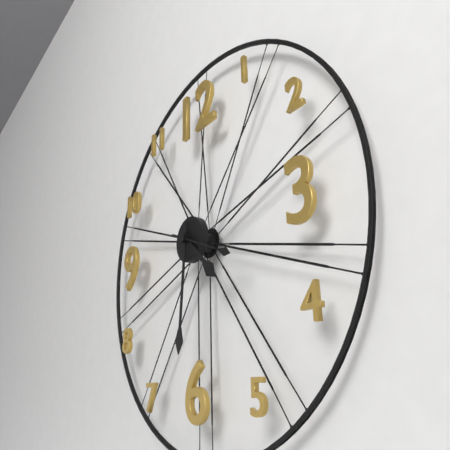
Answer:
**4:31:19**
